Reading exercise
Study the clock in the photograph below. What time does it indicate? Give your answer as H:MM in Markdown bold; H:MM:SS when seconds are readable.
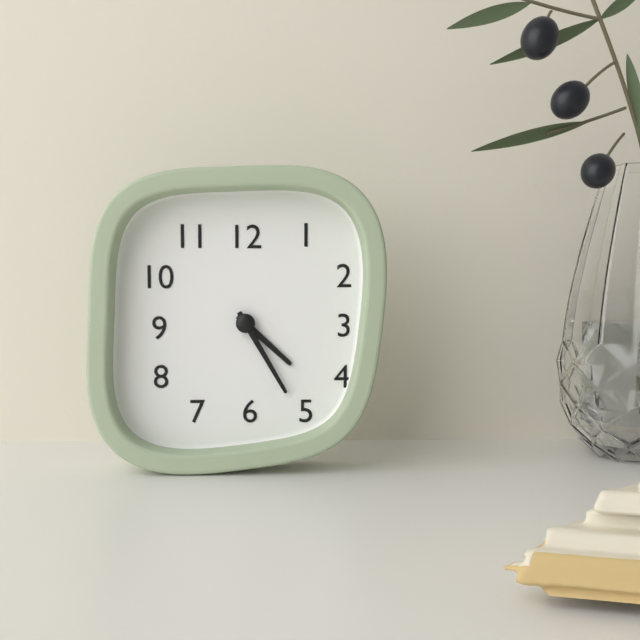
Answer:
**4:25**
